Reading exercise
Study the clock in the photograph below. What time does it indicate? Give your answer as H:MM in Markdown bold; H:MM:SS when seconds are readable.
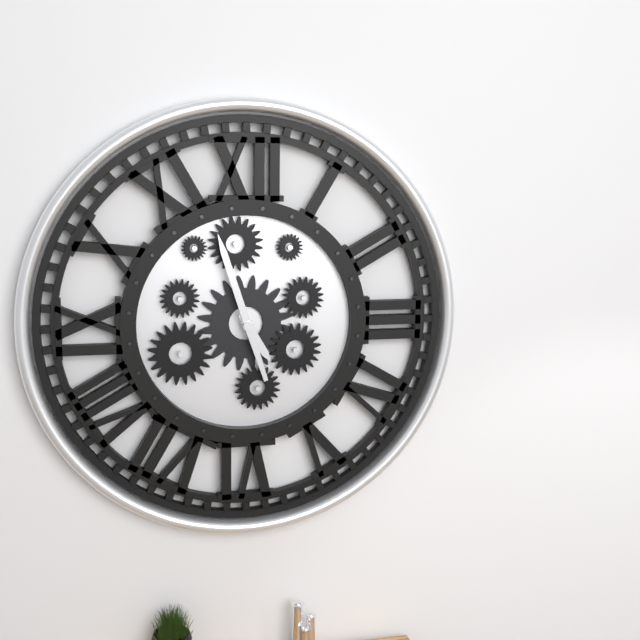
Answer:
**4:57**
